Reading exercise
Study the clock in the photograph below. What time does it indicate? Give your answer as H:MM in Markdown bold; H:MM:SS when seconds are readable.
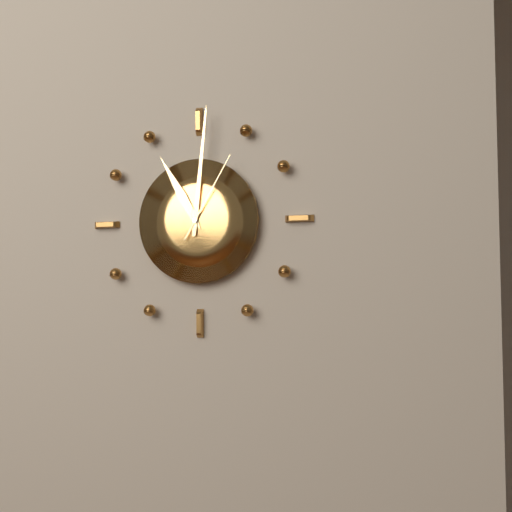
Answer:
**11:01:05**
